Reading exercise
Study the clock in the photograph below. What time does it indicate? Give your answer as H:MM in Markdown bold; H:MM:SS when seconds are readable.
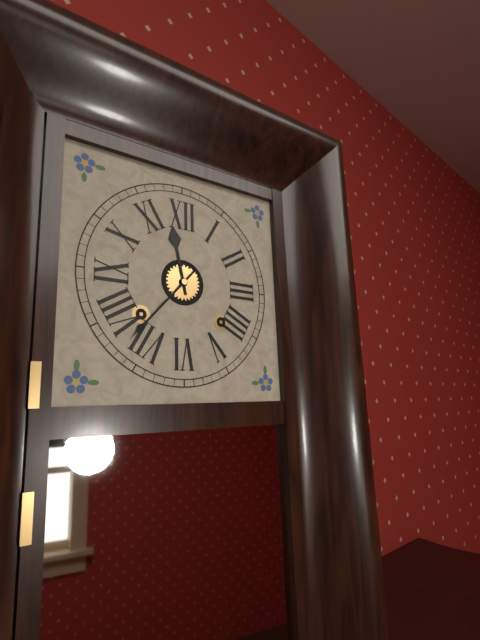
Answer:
**11:37**
